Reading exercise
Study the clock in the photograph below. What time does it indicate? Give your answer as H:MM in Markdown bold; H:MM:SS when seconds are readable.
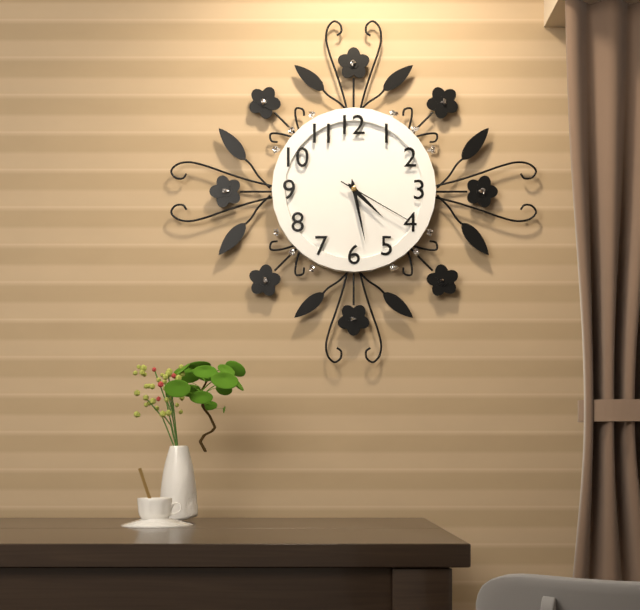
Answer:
**4:28:20**
